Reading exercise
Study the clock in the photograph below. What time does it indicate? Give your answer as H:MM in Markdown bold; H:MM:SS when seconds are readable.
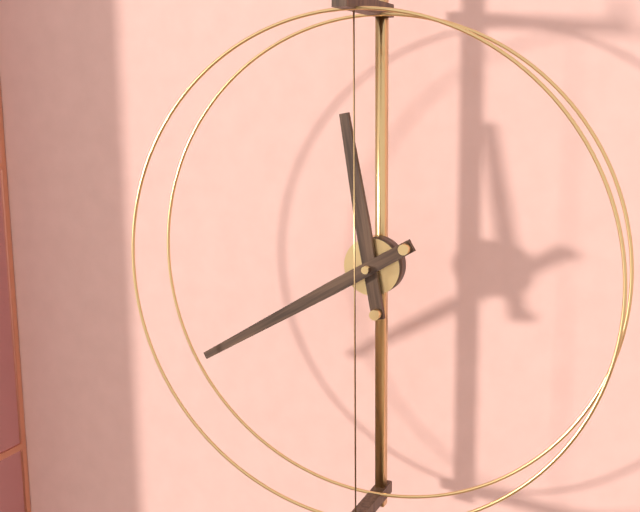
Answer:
**11:40**
